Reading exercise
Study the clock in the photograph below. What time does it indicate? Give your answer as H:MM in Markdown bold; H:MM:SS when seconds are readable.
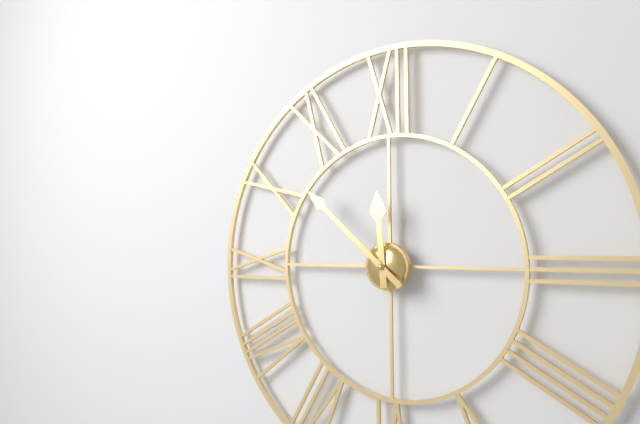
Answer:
**11:52**
